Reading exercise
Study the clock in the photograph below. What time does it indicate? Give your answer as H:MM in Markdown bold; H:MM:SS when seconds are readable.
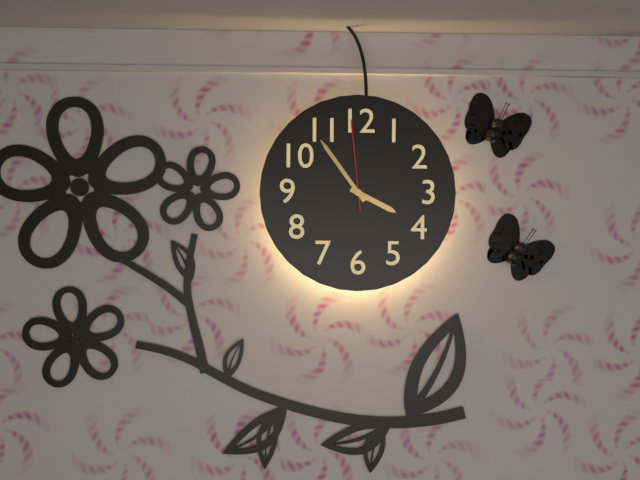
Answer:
**3:54:59**
